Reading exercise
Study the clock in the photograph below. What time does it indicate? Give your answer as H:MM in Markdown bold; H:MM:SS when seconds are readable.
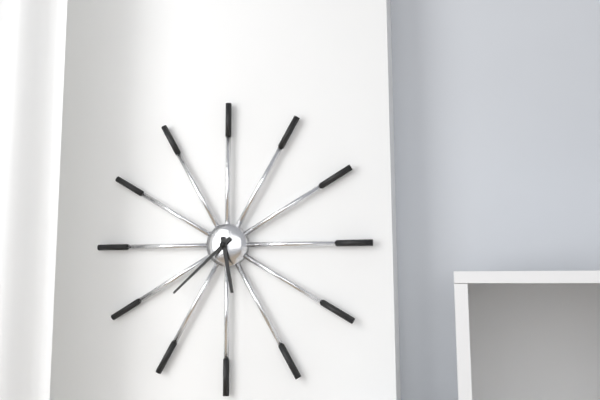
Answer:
**5:38**
